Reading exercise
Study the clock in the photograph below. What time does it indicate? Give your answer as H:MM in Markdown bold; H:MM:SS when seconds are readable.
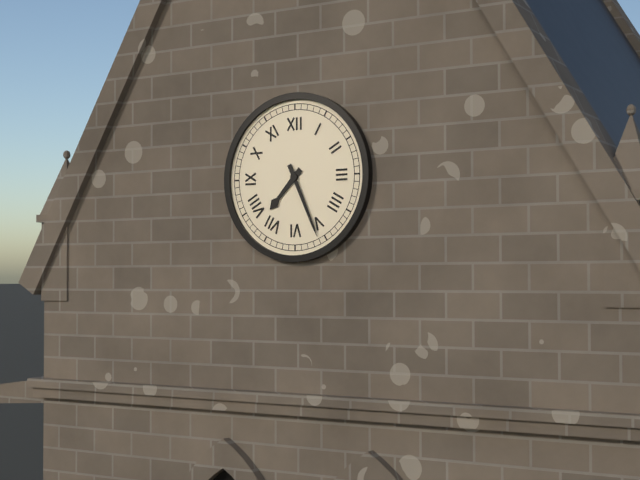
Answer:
**7:26**
